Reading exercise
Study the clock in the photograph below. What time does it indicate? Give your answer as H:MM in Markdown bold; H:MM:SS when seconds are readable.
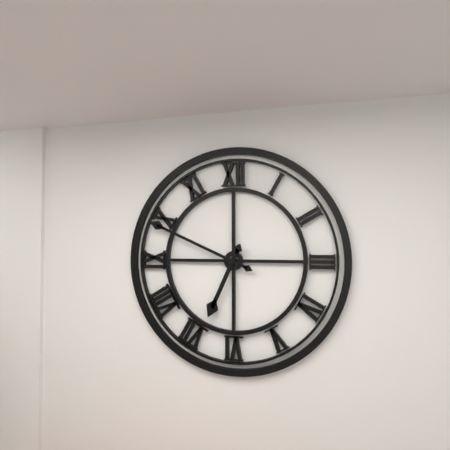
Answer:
**6:49**
